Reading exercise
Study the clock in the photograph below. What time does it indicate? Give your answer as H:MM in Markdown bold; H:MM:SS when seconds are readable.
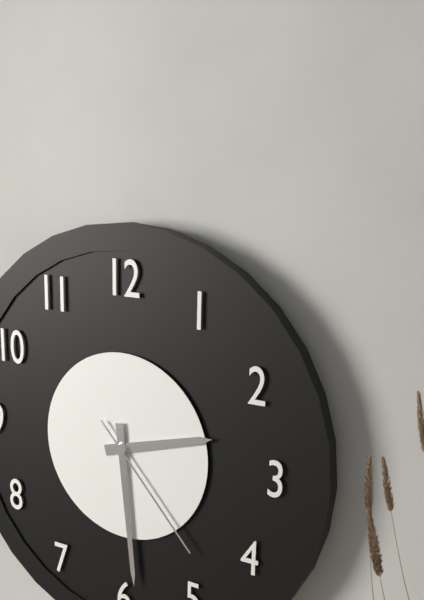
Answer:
**2:29:23**
